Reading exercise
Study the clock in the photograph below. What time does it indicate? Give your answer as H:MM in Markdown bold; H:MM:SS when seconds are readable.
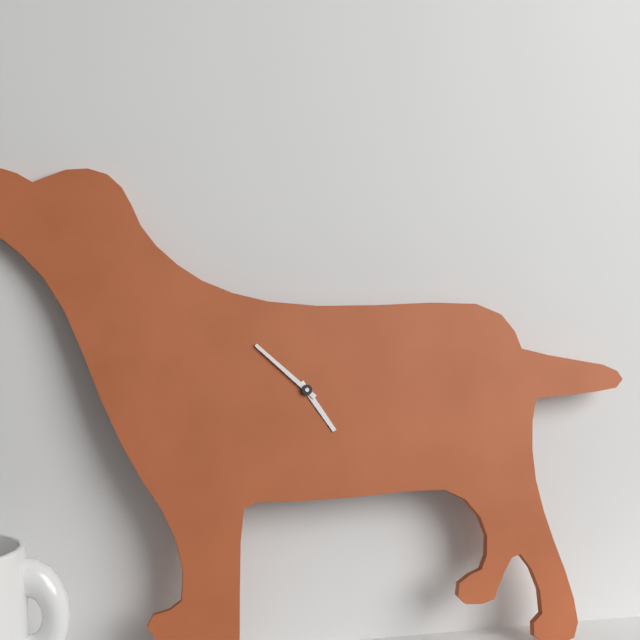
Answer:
**4:52**
